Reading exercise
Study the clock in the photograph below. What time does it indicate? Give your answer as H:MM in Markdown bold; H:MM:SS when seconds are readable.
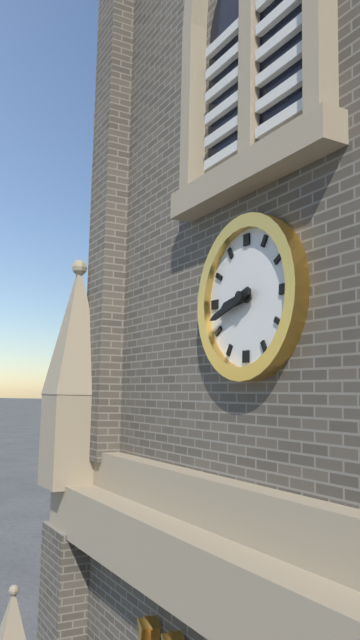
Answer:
**8:42**
